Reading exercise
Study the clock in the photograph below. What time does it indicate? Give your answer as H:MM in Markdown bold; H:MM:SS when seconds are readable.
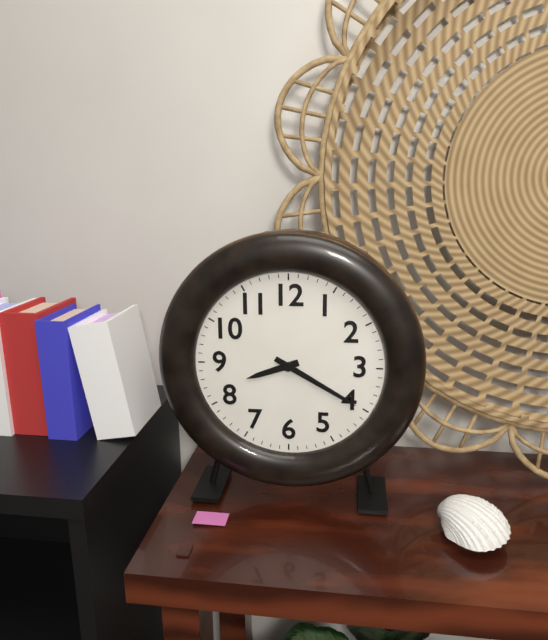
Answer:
**8:20**
